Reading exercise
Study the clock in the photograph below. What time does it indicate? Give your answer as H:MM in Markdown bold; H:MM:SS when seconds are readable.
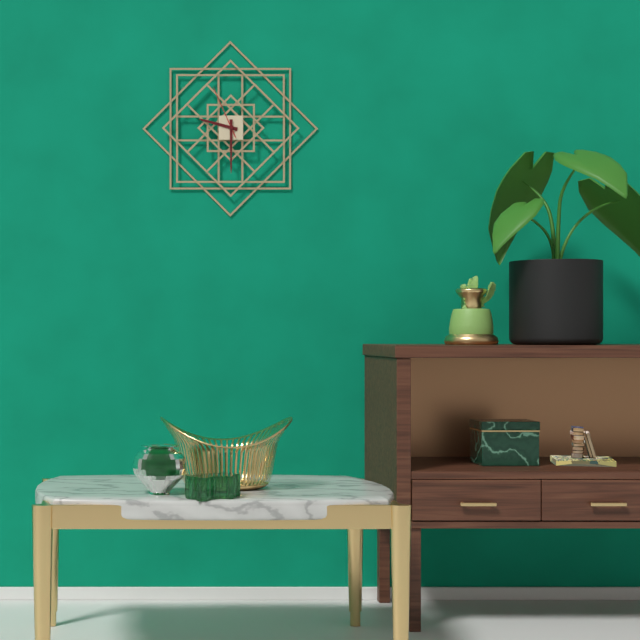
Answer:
**9:30:56**
